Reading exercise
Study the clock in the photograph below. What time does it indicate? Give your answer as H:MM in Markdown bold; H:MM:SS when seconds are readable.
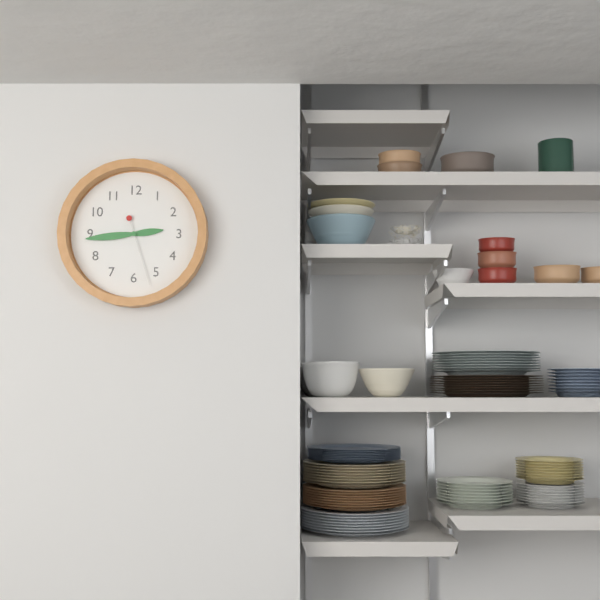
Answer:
**2:44:27**
